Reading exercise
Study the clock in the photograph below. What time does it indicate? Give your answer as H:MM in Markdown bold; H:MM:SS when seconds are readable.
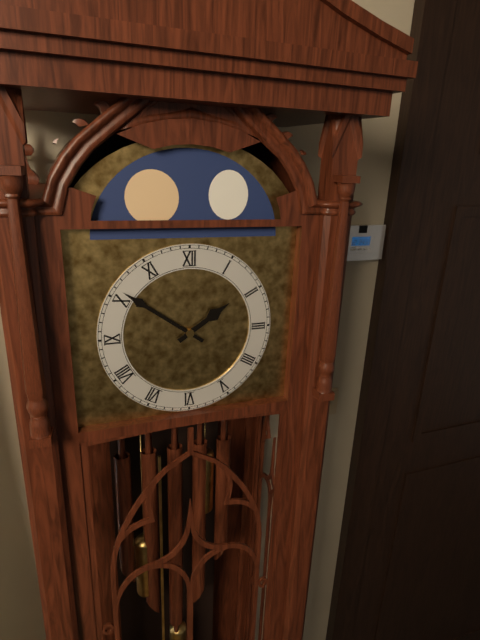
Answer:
**1:51**
